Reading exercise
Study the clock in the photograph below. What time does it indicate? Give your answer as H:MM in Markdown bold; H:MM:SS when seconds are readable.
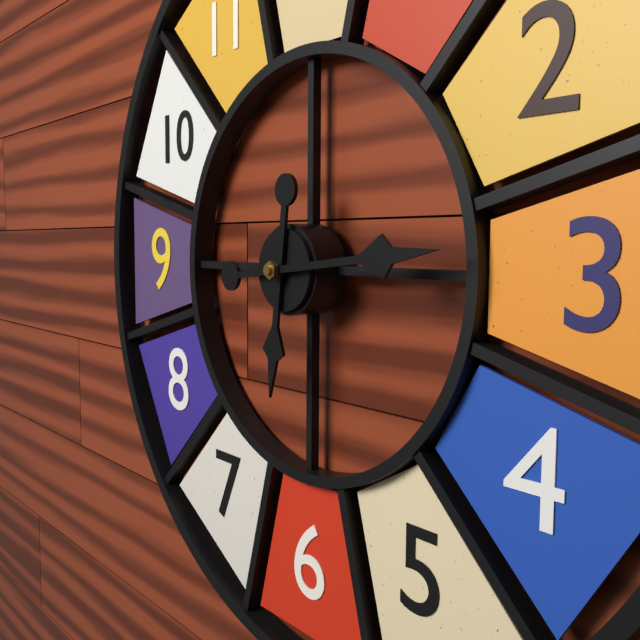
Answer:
**6:14**
